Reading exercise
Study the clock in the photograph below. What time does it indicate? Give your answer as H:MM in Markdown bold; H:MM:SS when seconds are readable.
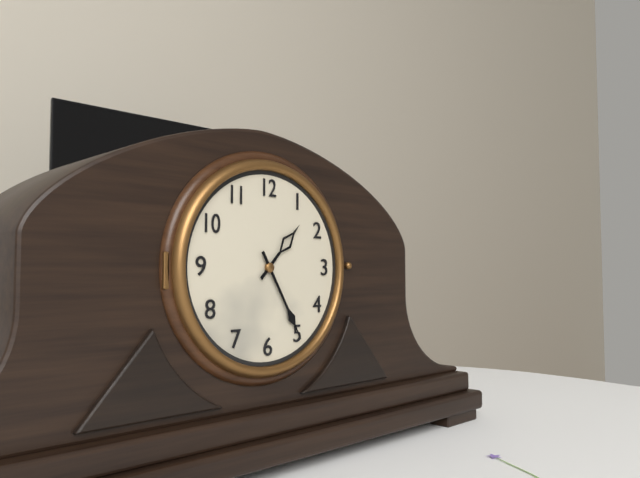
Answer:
**1:25**
